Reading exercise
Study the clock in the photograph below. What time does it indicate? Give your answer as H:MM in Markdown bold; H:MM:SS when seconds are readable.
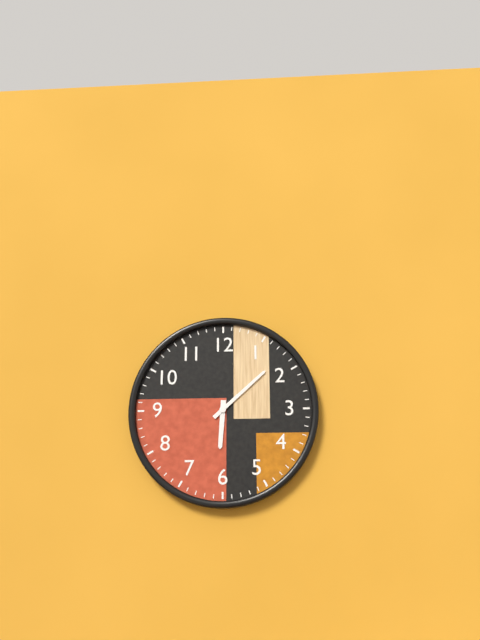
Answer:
**6:08**
